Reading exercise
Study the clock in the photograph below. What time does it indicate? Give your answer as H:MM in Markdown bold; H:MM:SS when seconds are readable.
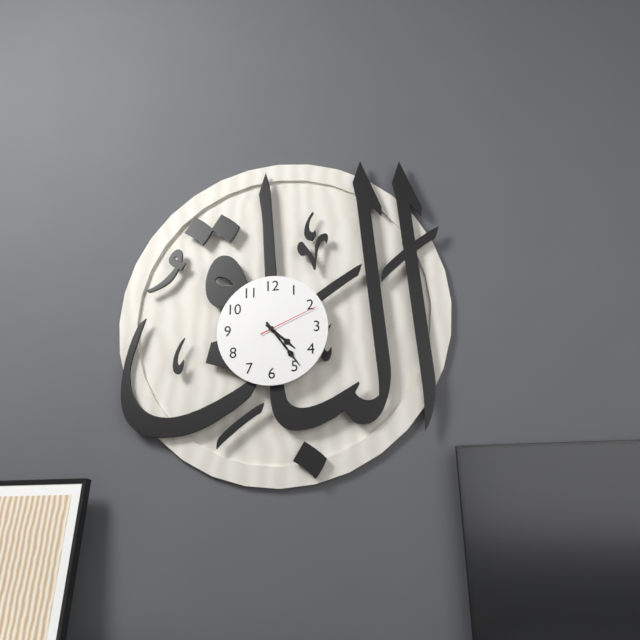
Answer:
**4:24:11**
